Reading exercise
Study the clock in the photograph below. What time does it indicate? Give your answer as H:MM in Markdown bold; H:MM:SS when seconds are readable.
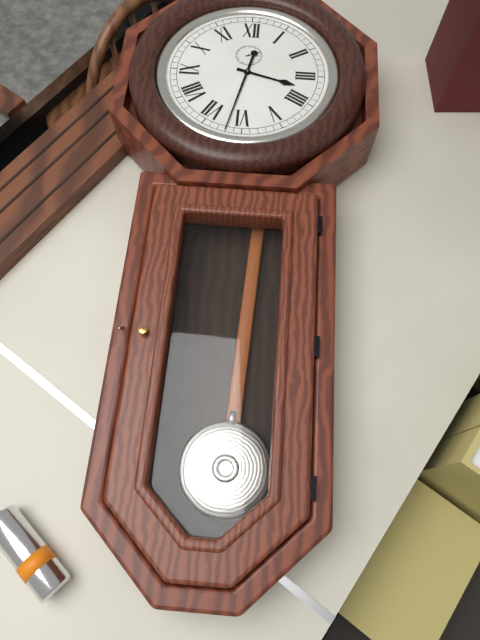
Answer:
**3:32**
